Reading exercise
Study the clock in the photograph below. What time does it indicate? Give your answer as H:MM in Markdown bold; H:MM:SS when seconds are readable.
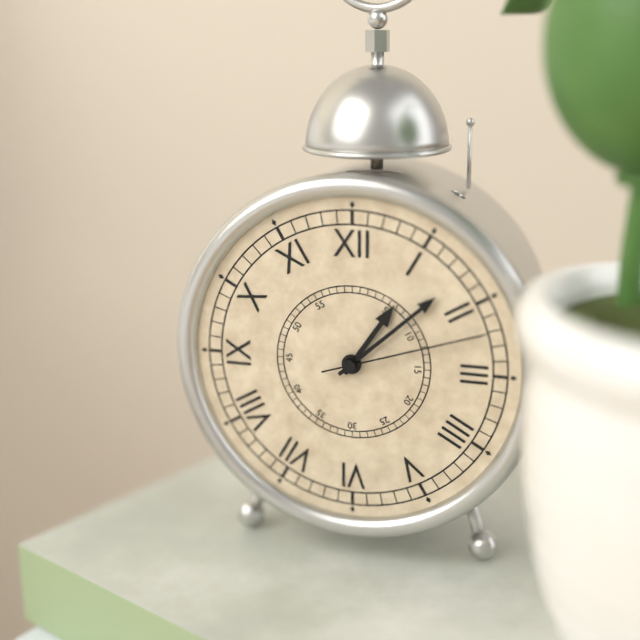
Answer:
**1:08:12**
